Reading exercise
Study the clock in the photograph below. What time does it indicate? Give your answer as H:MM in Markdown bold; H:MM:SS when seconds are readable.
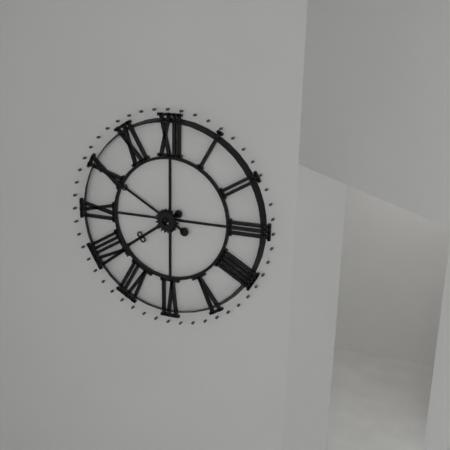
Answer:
**7:50**
